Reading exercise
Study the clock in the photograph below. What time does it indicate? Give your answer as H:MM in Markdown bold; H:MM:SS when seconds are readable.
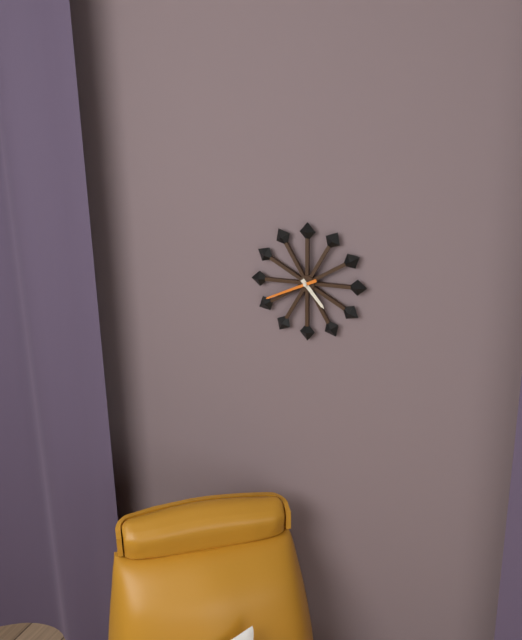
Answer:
**4:41**
